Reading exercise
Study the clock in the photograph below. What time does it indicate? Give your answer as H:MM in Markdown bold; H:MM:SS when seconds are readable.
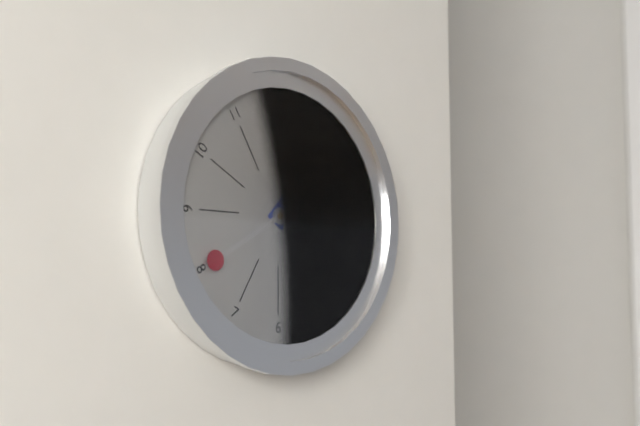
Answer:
**1:10:40**
